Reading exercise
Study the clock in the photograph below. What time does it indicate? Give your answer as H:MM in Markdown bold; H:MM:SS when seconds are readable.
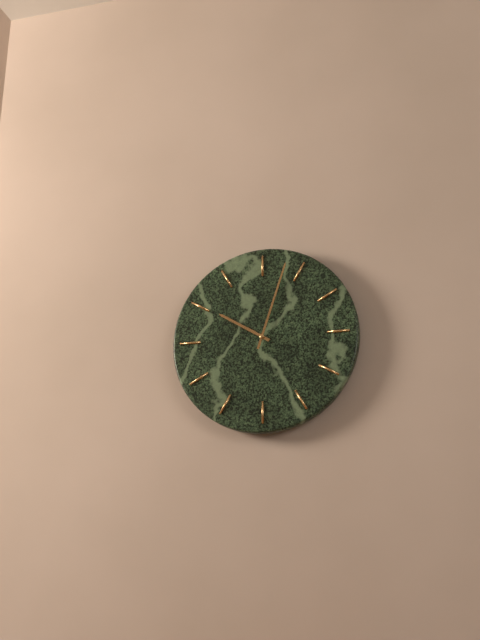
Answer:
**10:03**
